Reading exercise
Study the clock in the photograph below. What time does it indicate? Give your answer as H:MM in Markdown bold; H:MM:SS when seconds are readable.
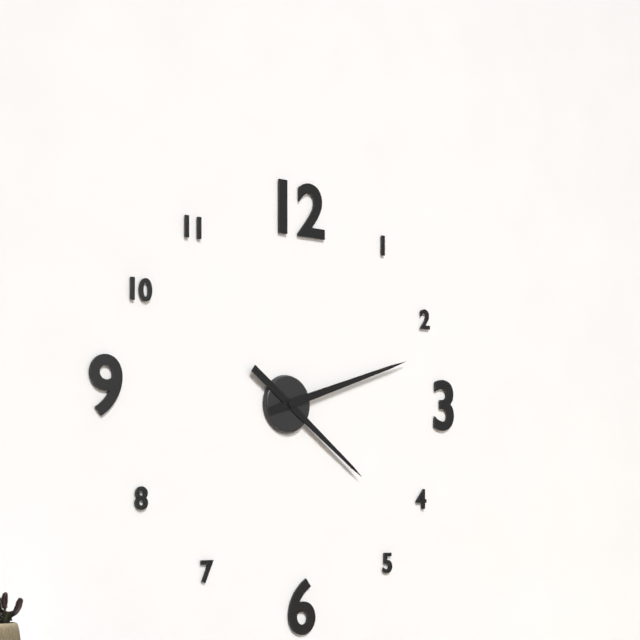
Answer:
**4:12**
